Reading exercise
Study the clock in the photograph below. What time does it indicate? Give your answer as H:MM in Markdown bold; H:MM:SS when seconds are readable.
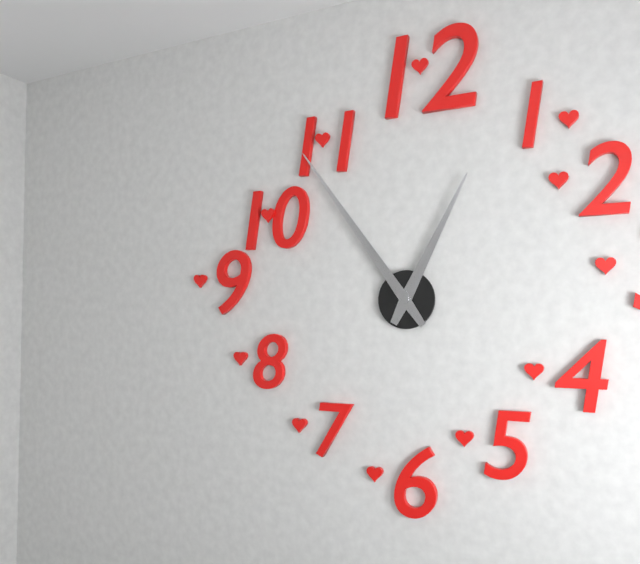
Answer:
**12:54**
